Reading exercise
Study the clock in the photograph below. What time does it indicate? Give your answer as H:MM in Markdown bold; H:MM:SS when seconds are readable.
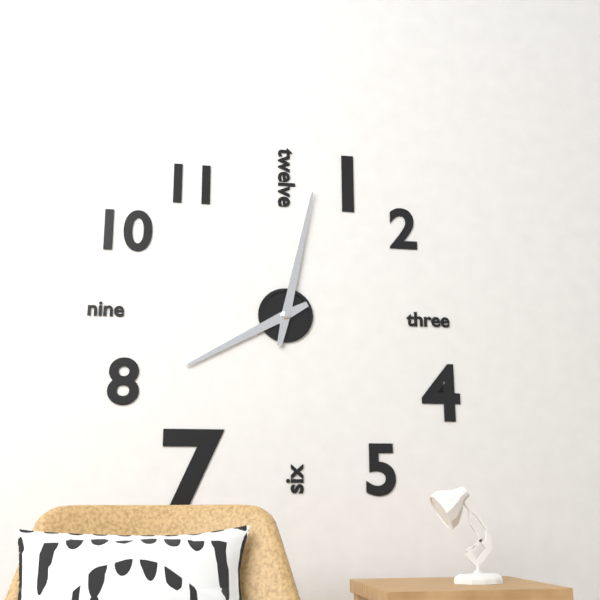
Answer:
**8:02**
